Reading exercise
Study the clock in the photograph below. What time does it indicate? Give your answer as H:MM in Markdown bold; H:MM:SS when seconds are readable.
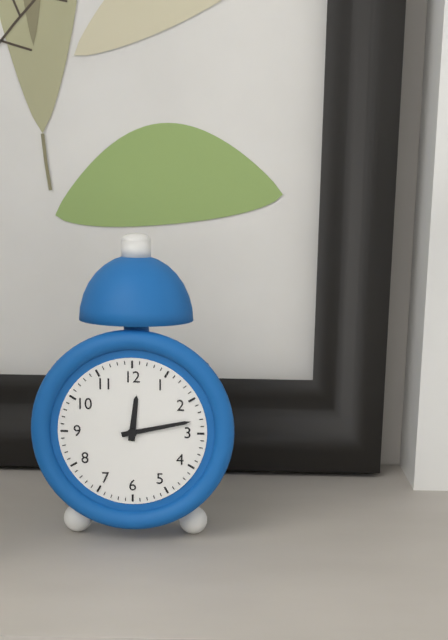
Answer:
**12:13**
